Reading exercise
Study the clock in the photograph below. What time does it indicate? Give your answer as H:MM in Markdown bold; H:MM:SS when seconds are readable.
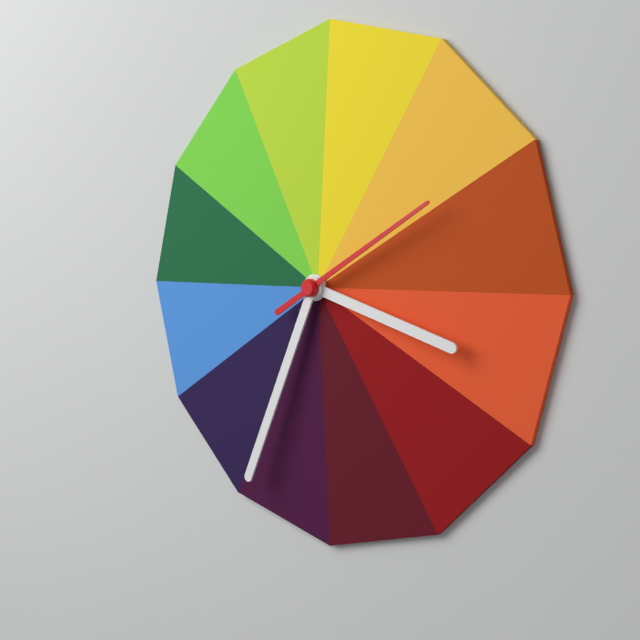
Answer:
**3:34:10**
